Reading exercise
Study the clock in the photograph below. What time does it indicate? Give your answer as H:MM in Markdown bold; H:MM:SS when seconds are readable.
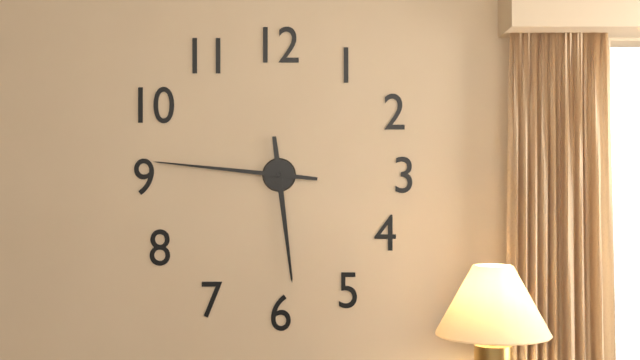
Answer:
**5:46**
